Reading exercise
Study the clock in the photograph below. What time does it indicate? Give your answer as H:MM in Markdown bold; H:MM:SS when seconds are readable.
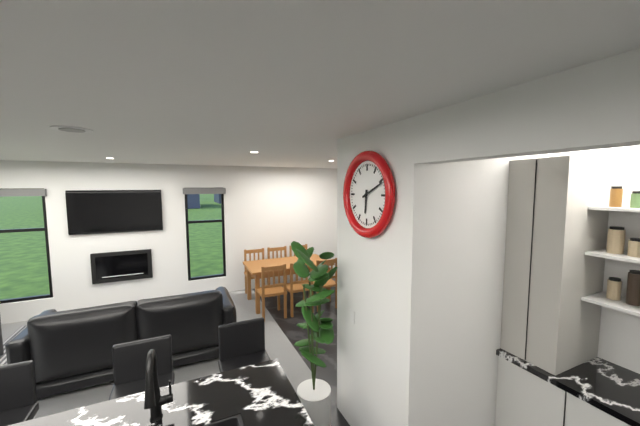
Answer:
**6:11**
